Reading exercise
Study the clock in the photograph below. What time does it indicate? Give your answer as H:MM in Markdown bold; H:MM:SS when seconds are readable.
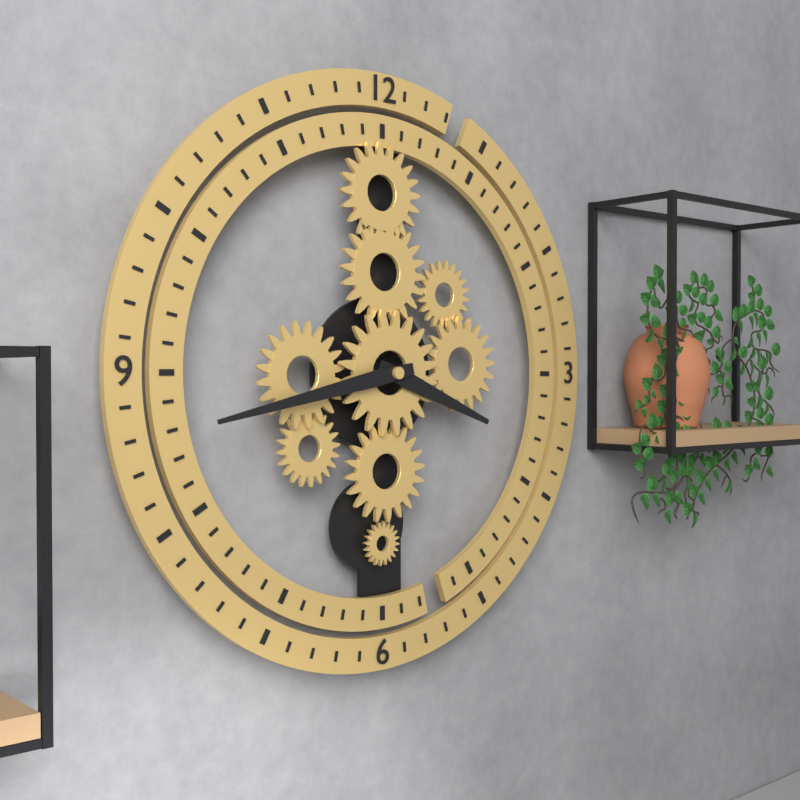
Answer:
**3:43**
